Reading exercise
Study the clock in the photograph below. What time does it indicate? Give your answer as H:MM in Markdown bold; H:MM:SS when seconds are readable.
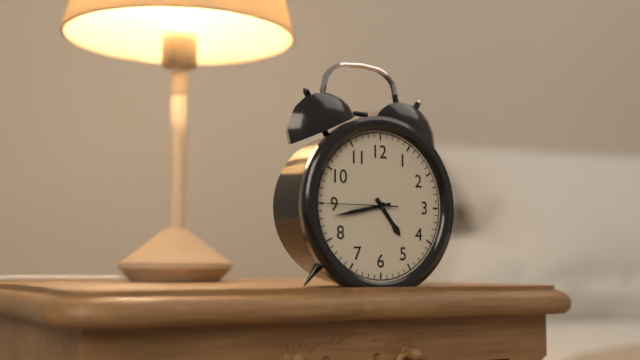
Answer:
**4:43:45**
